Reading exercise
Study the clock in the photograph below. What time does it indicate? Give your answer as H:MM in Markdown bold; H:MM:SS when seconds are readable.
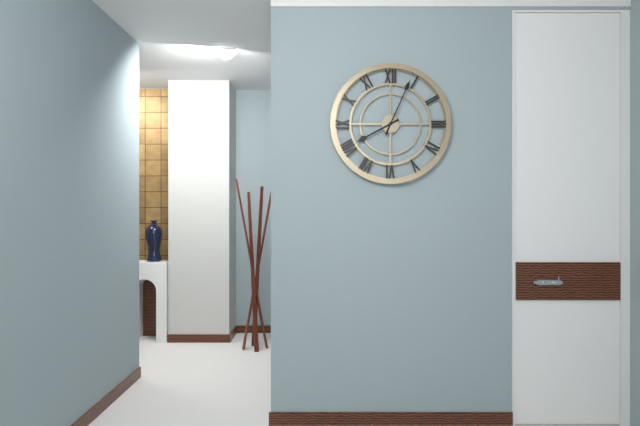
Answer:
**8:04**
